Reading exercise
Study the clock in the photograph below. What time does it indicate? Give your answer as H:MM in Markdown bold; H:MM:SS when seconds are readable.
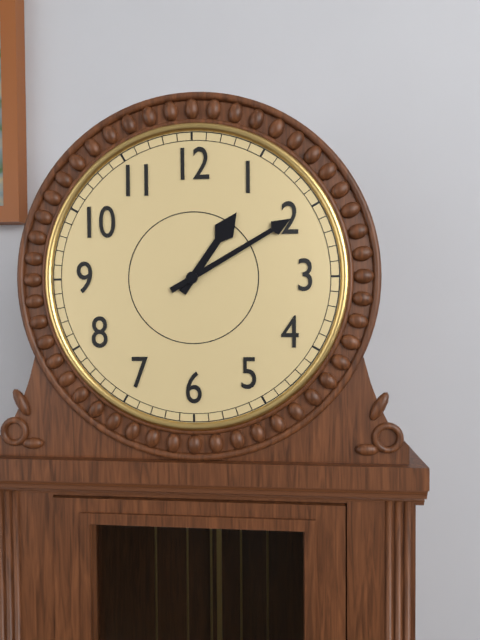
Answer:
**1:10**
